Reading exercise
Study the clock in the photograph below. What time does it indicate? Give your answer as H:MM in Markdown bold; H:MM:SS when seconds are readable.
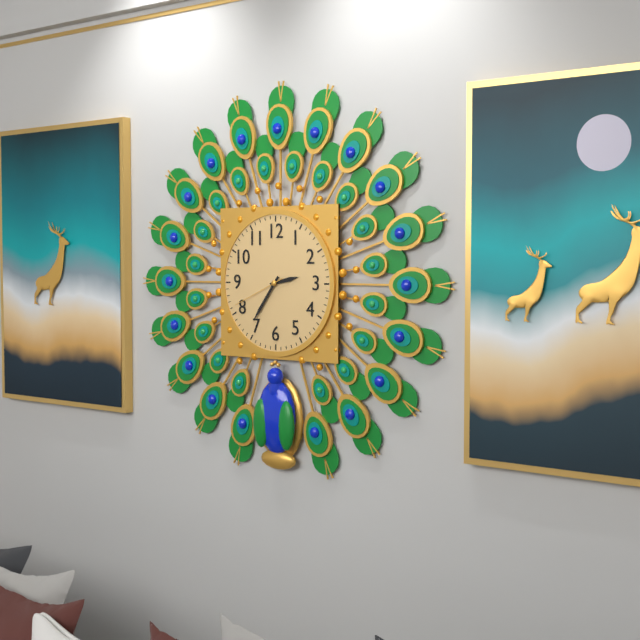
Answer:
**2:36:41**
